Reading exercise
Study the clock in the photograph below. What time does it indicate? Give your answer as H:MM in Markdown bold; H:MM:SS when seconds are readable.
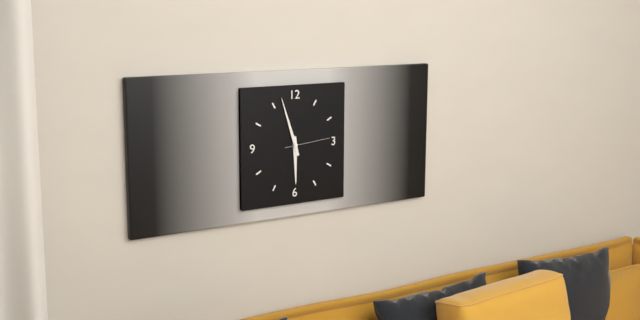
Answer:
**5:57**
